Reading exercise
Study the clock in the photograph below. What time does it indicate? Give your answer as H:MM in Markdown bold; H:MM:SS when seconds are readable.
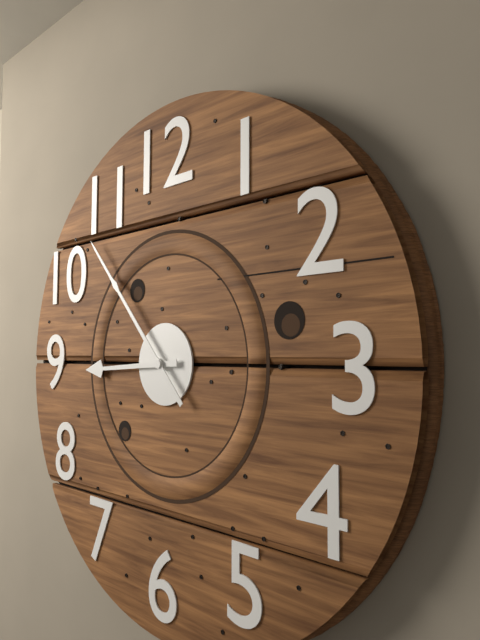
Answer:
**8:53**
